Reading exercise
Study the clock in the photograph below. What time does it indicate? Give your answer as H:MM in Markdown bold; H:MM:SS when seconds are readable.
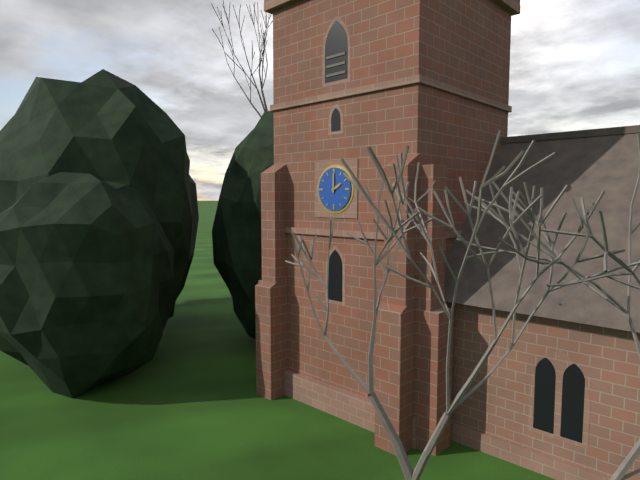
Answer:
**2:00**
